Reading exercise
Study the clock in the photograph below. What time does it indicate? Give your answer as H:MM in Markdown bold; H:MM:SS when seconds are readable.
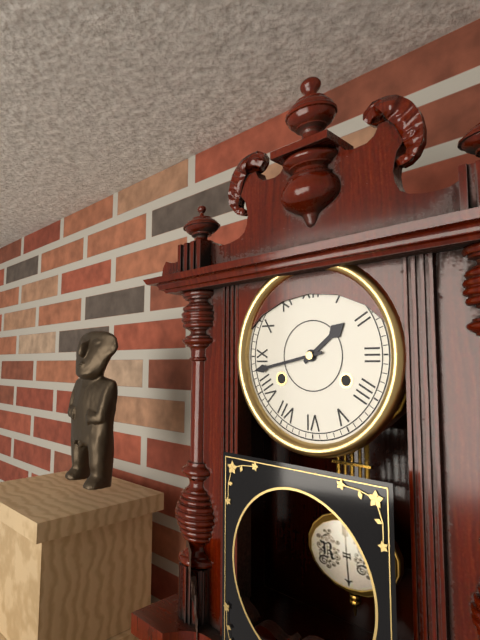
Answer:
**1:43**
